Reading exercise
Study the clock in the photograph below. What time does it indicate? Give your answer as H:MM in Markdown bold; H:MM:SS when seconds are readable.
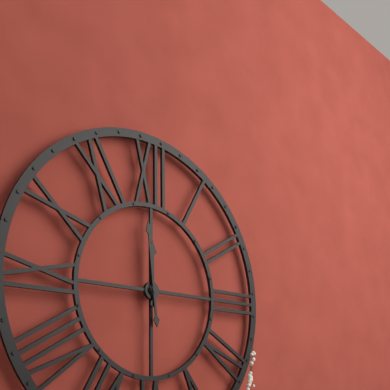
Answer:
**11:59**
